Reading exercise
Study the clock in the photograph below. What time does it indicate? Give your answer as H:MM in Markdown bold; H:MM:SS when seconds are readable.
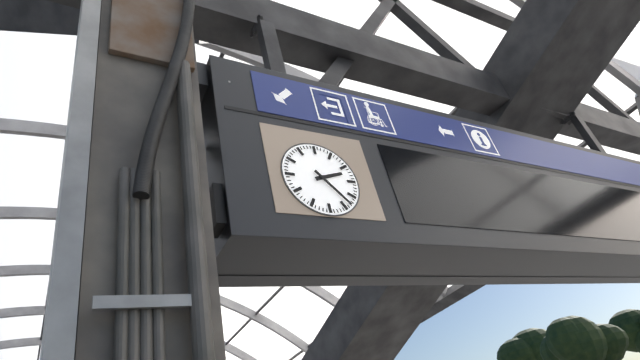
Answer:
**2:23**
